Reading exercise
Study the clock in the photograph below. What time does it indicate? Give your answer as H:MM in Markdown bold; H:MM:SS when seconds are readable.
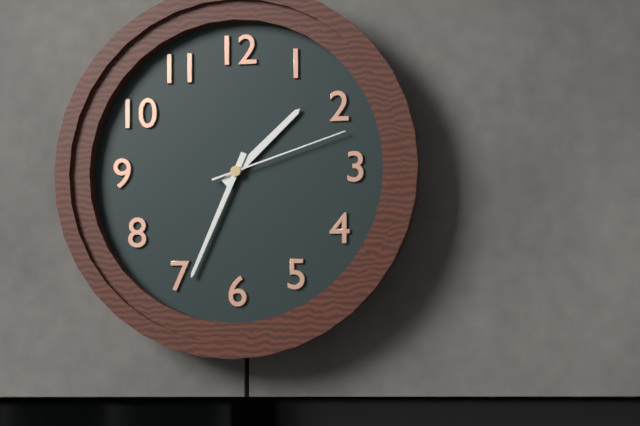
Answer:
**1:34:12**
